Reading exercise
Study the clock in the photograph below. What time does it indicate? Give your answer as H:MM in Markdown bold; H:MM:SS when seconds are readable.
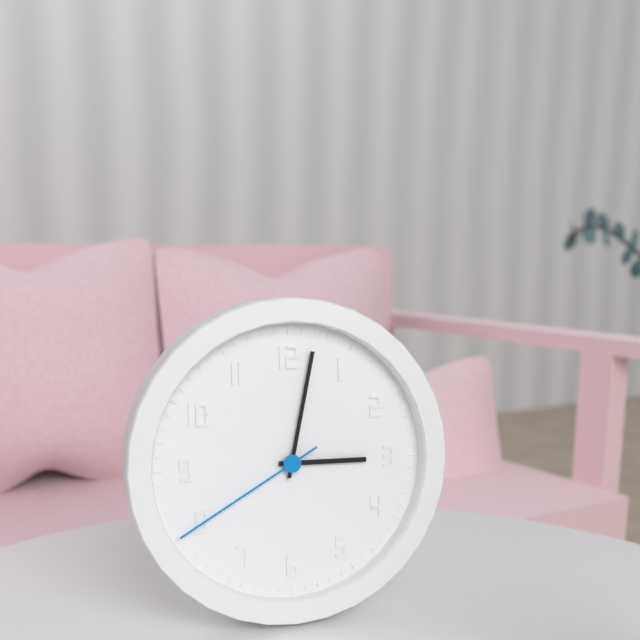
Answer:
**3:02:40**
